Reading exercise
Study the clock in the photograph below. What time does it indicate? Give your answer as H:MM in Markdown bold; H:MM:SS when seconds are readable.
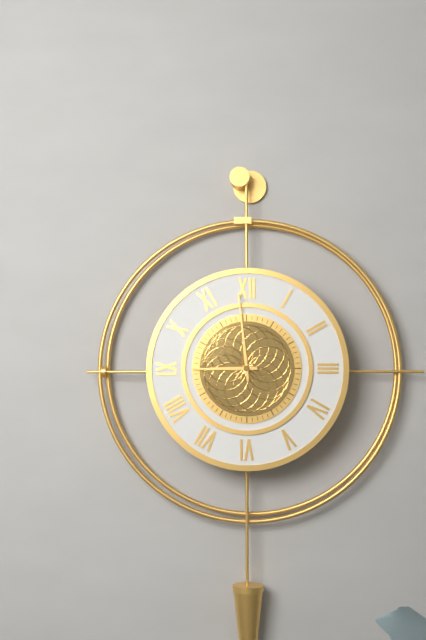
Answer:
**8:59**
